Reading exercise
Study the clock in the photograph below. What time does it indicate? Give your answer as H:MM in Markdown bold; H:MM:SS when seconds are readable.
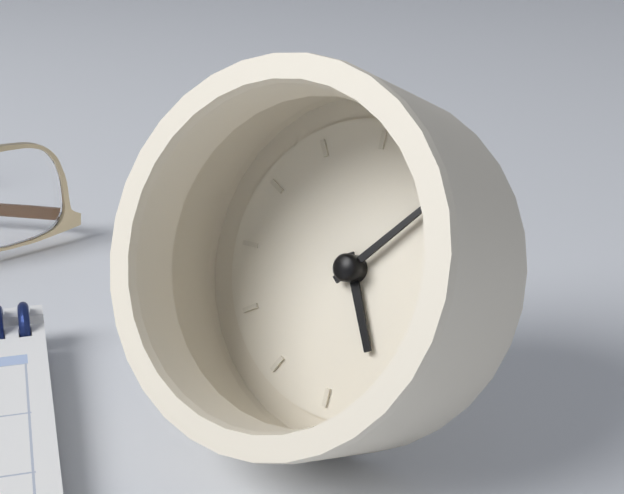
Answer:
**5:07**
